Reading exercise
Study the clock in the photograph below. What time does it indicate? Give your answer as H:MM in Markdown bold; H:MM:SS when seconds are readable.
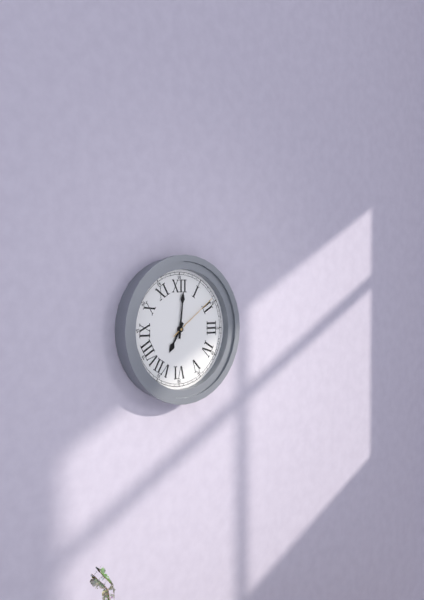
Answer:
**7:01:09**
